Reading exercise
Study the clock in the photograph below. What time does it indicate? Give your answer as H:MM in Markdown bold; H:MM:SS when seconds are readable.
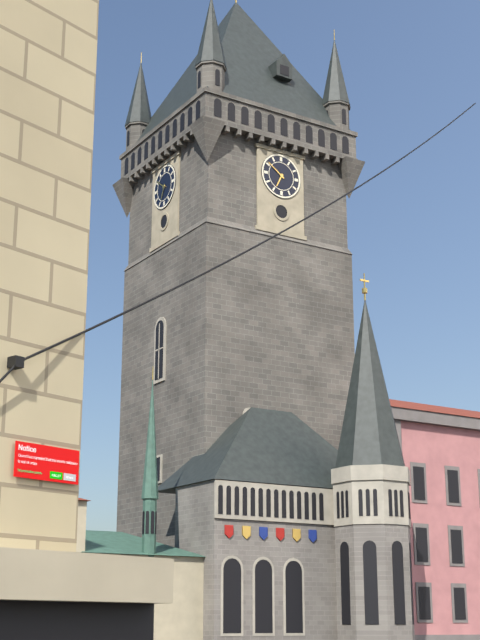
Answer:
**6:51**
